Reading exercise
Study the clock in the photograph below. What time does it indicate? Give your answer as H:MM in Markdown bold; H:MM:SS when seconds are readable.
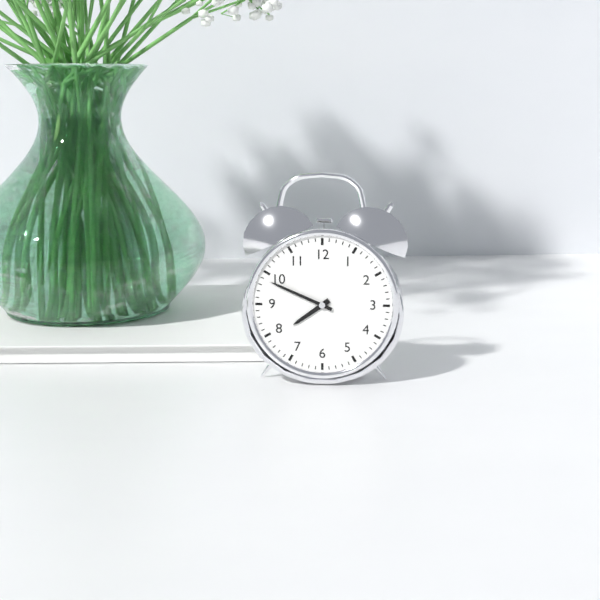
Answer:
**7:49**
